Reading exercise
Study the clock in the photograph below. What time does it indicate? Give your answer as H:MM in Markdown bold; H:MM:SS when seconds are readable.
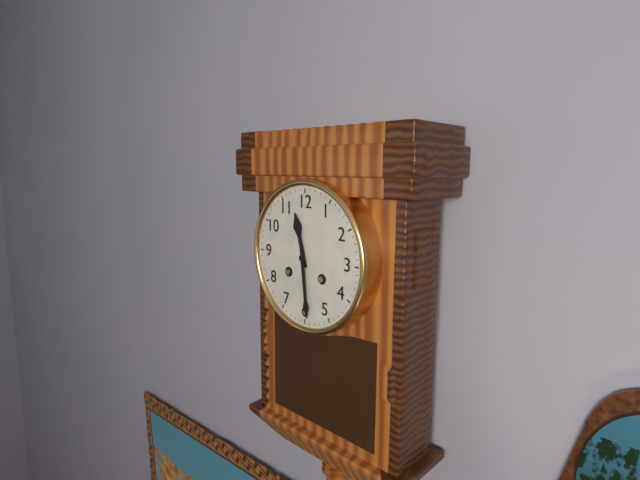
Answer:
**11:29**
